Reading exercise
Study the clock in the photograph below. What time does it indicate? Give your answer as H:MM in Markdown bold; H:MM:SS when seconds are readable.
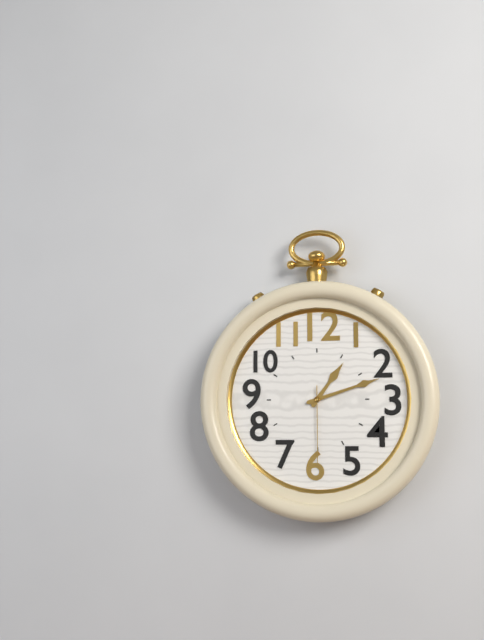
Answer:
**1:12:30**
